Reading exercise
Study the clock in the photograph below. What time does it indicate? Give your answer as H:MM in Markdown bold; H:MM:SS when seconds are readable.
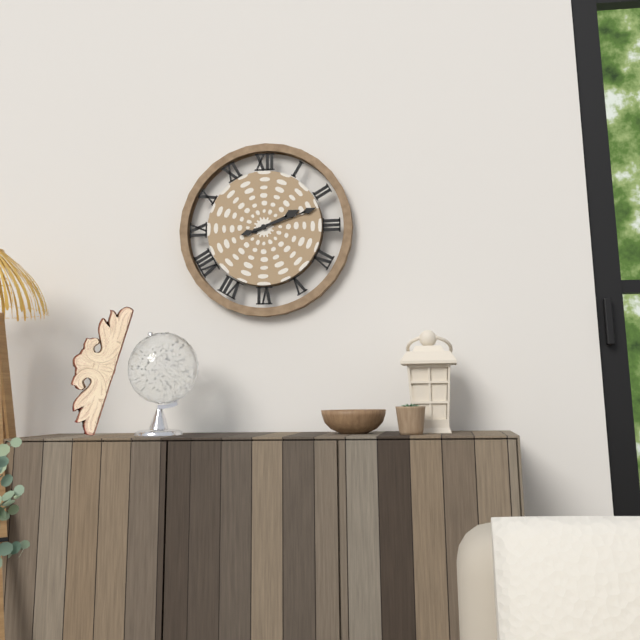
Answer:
**2:12**
